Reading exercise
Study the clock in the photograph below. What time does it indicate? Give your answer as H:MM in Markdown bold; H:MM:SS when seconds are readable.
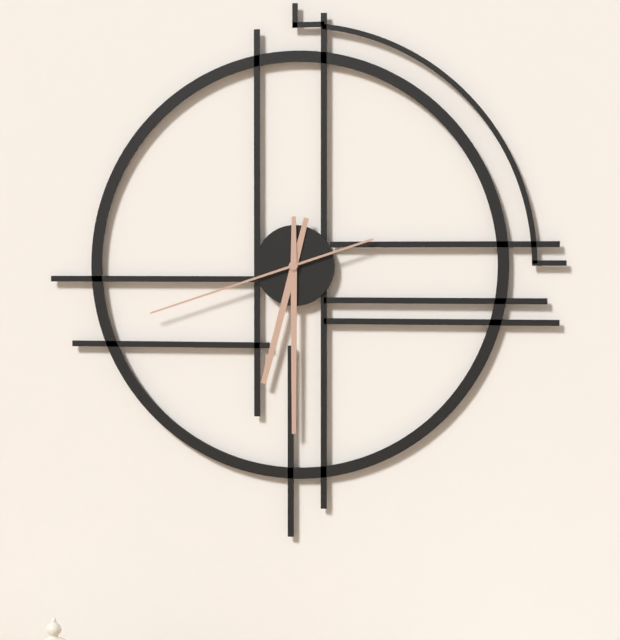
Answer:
**6:30:42**
